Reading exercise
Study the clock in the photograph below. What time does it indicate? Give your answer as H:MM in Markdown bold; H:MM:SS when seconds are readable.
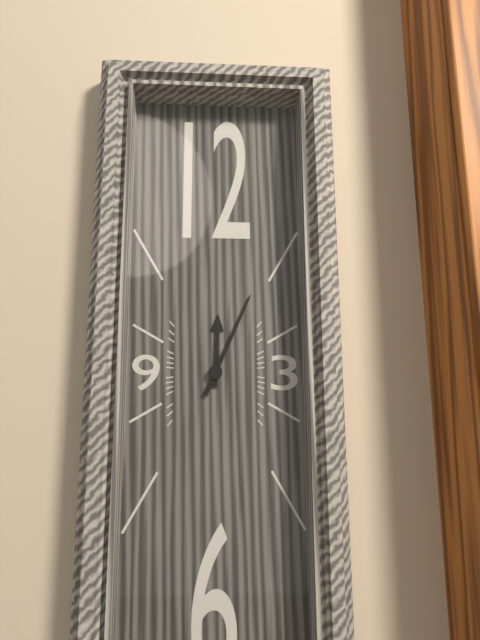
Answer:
**12:04**
